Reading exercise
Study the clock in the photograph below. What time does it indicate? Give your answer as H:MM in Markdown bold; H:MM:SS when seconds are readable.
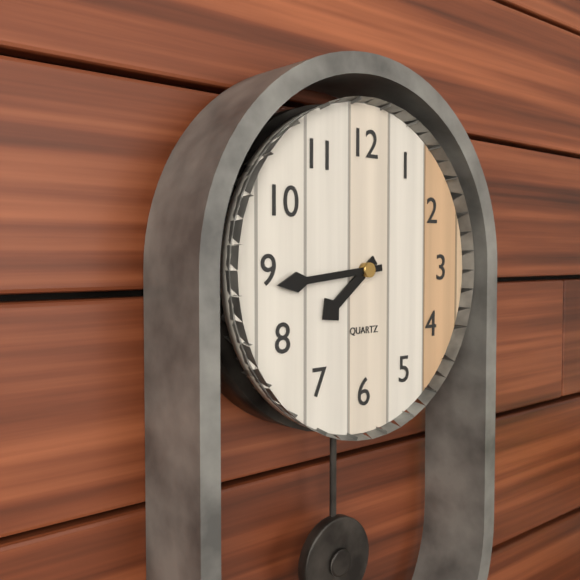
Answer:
**7:44**
